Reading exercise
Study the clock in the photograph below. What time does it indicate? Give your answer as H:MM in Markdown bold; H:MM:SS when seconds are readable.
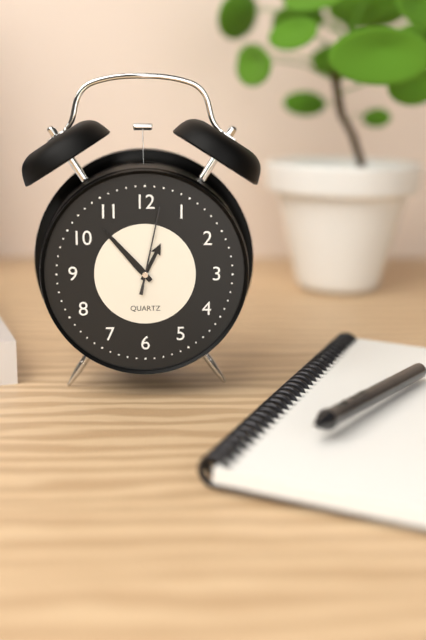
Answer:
**12:53:02**
